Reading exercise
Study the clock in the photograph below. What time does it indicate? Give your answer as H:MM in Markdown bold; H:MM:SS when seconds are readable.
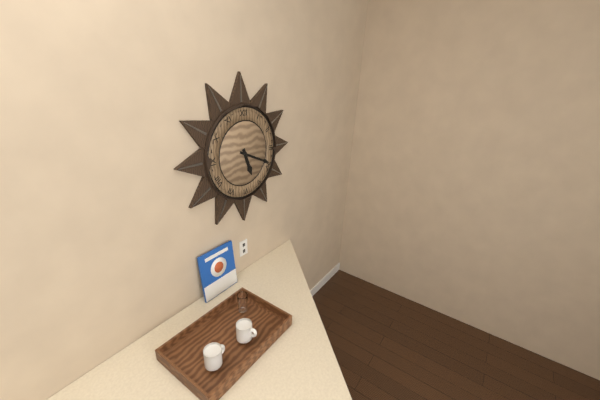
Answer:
**5:19**
